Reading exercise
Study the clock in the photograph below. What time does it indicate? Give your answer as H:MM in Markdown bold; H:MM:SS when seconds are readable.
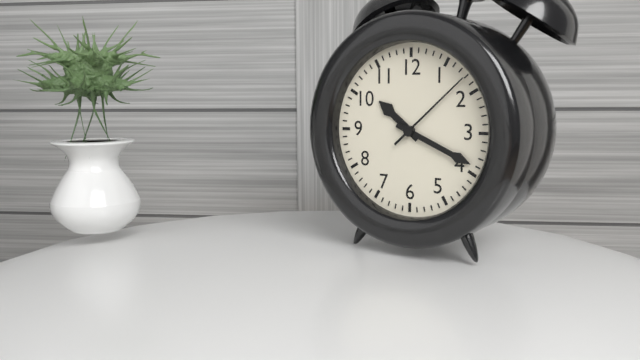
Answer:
**10:19:08**
